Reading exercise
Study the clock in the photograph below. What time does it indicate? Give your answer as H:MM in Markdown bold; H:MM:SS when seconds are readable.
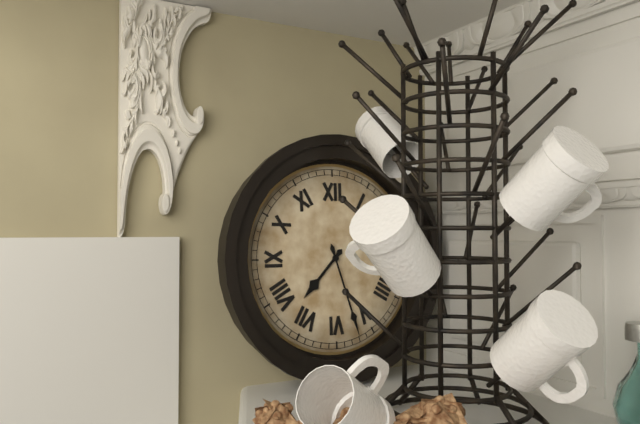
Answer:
**7:27**
